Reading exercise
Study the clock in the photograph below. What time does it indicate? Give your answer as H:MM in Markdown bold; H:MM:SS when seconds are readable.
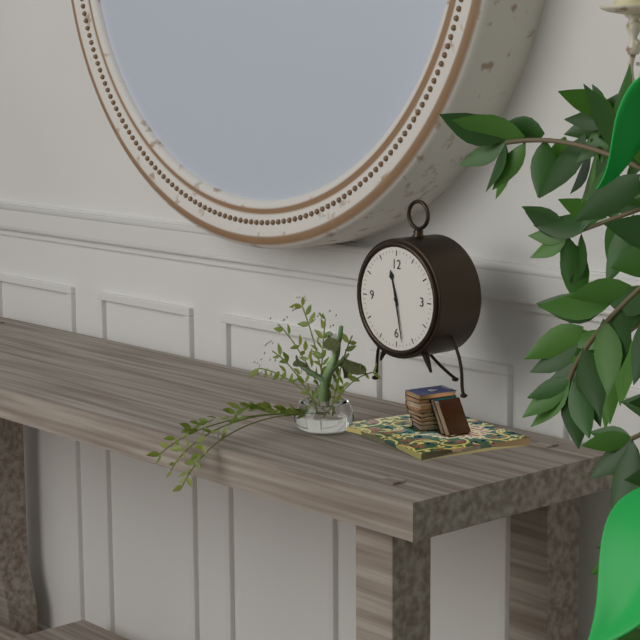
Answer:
**11:28**
